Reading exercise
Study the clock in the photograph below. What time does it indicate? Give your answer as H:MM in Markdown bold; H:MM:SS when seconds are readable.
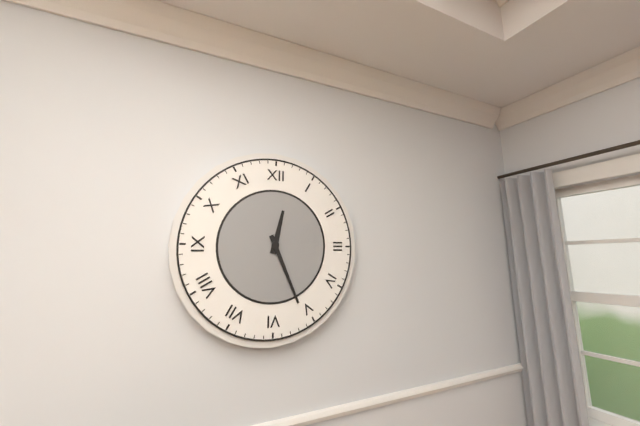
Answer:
**12:26**
